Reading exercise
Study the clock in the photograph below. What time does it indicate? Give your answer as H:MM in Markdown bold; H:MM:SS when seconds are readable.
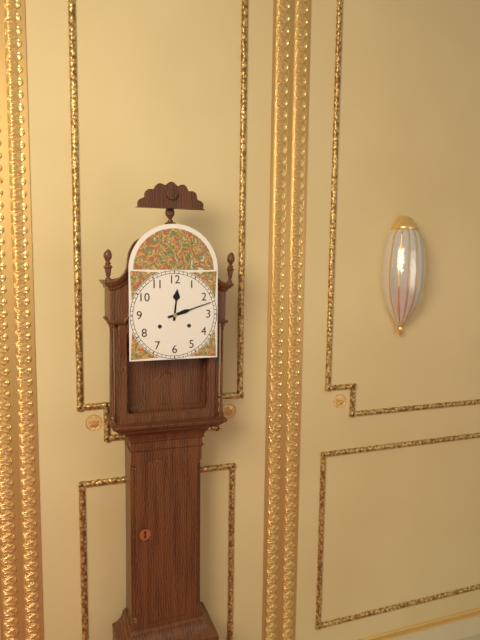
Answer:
**12:12**
